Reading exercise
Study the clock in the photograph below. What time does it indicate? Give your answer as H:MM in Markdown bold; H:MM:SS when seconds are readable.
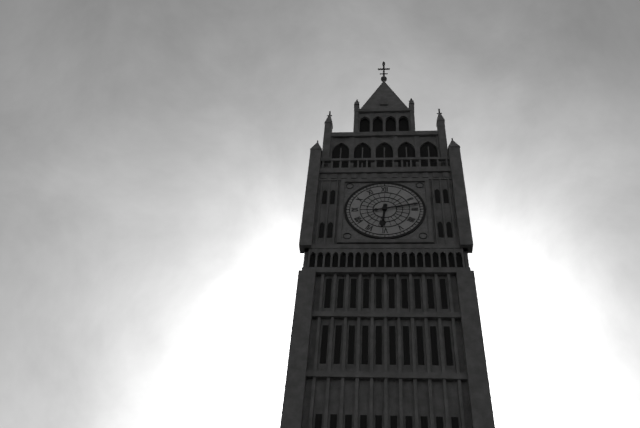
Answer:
**6:13**
